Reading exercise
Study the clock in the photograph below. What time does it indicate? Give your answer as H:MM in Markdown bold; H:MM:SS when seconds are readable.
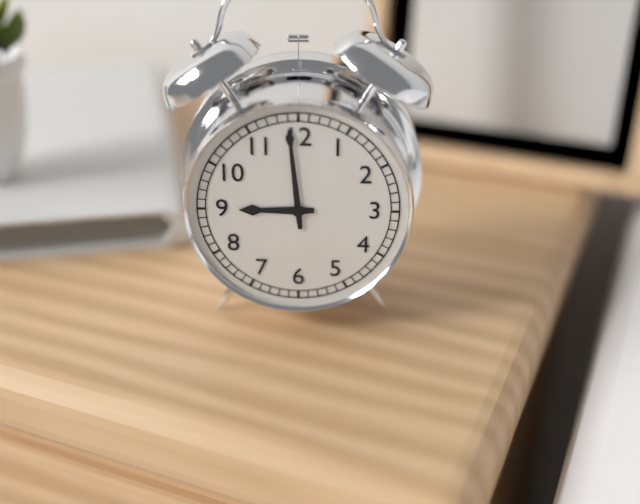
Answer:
**8:59**
